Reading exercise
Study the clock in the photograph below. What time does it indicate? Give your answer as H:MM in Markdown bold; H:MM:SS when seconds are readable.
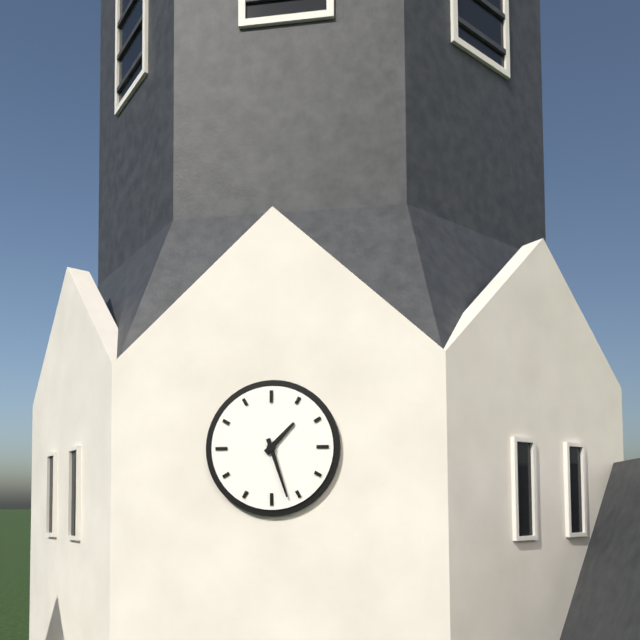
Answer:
**1:27**
